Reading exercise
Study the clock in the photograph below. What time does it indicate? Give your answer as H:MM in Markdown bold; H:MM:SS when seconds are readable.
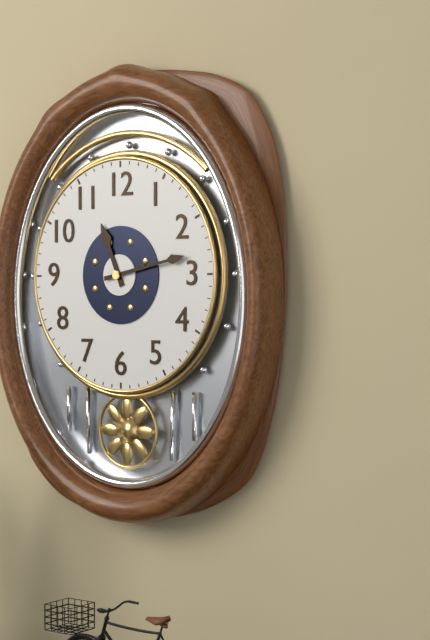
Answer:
**11:13**
